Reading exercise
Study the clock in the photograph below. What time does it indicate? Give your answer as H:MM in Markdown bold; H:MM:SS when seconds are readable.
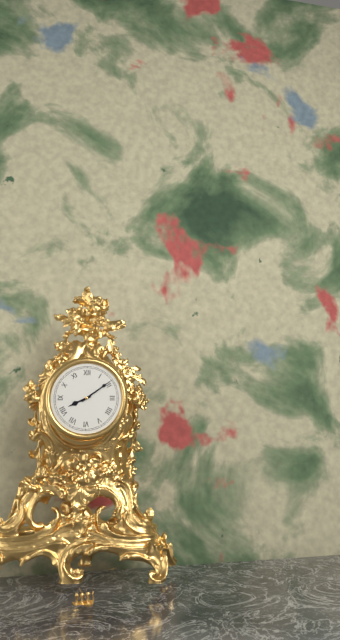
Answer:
**8:09**
